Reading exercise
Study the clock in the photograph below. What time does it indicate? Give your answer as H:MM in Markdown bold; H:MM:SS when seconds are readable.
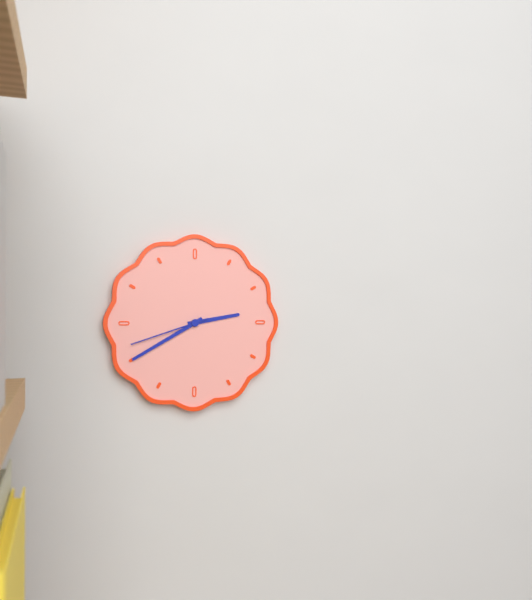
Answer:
**2:40:42**
